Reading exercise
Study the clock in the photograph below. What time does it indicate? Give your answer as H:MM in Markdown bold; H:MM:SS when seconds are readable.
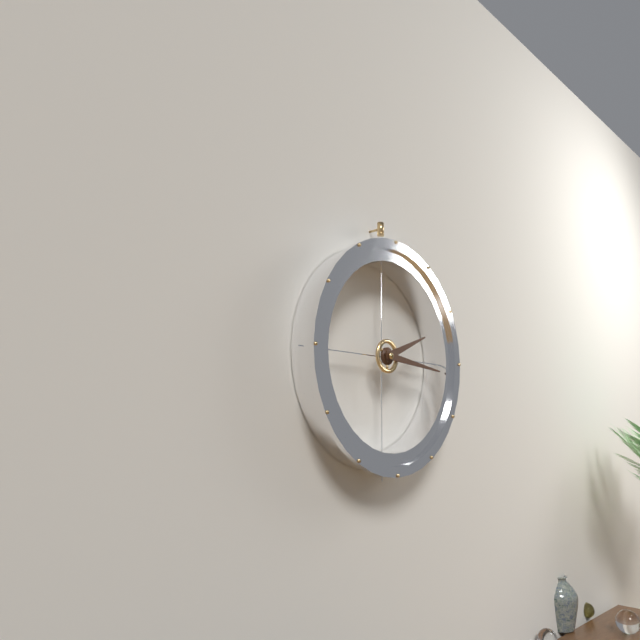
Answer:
**2:16**
